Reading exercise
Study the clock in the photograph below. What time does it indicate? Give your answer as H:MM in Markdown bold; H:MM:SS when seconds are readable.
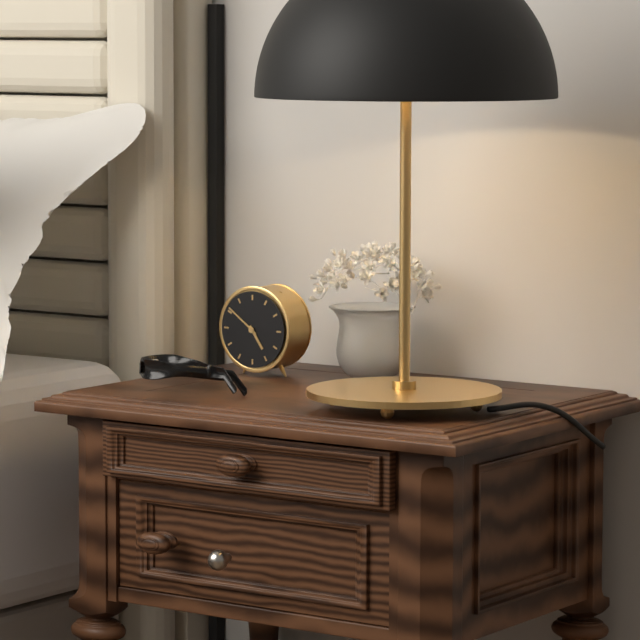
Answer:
**4:51**
